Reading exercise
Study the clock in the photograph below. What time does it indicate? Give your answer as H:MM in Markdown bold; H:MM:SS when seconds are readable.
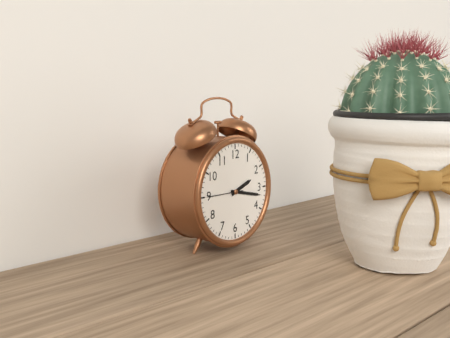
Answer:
**2:17**
